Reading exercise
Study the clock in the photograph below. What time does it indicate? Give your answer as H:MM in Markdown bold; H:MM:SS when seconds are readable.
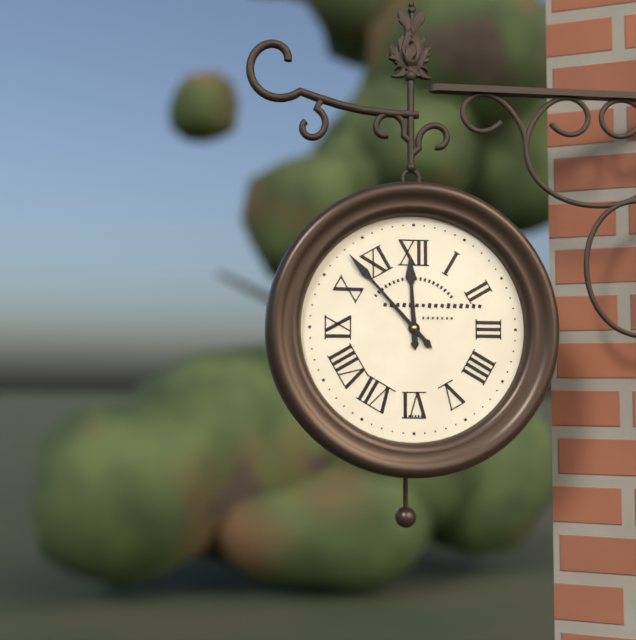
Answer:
**11:53**
